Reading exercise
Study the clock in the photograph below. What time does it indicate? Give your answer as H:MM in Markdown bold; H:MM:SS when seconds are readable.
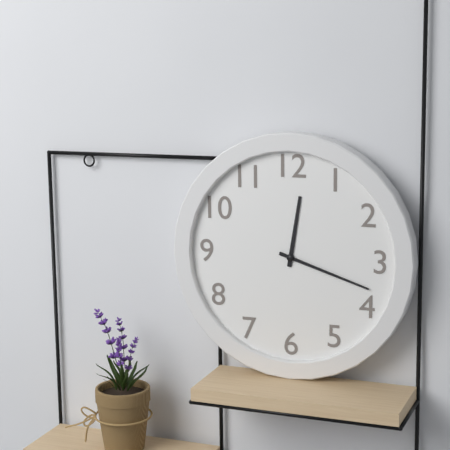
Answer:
**12:18**
